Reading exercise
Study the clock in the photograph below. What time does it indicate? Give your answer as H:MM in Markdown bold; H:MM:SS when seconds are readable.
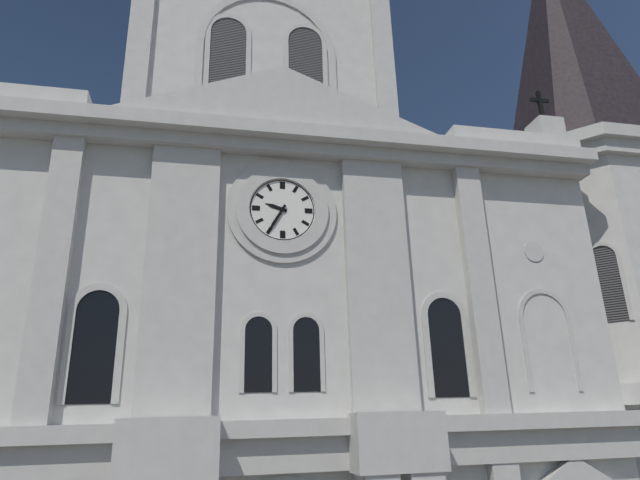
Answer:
**9:35**
